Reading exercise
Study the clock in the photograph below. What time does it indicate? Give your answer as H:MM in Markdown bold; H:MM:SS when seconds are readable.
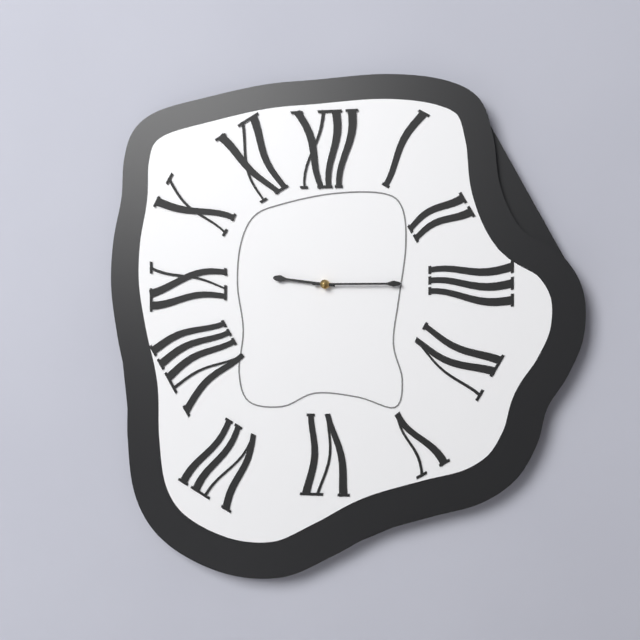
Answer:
**9:15**
